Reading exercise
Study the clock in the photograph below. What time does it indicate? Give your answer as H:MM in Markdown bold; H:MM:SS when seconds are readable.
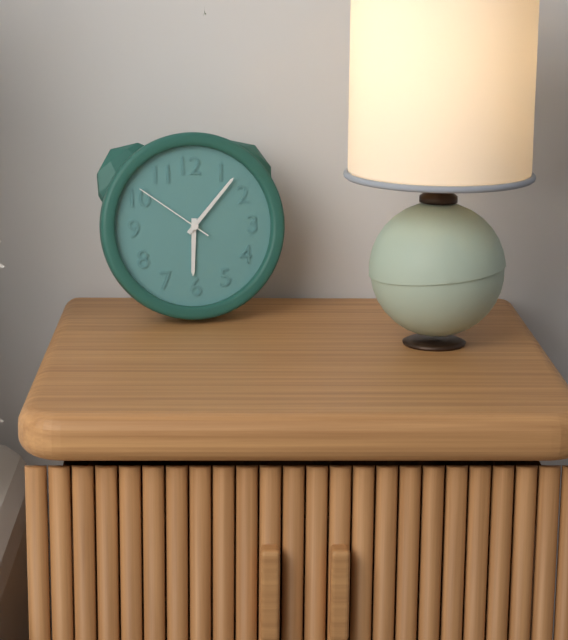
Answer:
**6:07:51**
